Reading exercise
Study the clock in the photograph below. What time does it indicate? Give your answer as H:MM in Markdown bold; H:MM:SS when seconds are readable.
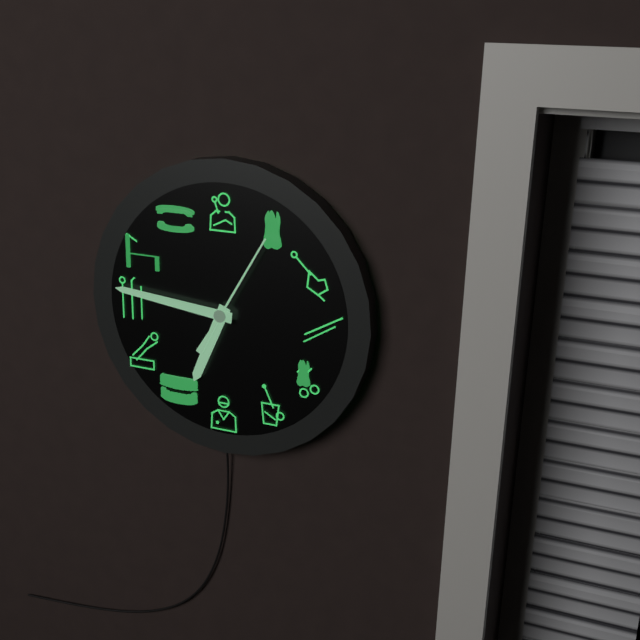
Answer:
**6:46:05**
